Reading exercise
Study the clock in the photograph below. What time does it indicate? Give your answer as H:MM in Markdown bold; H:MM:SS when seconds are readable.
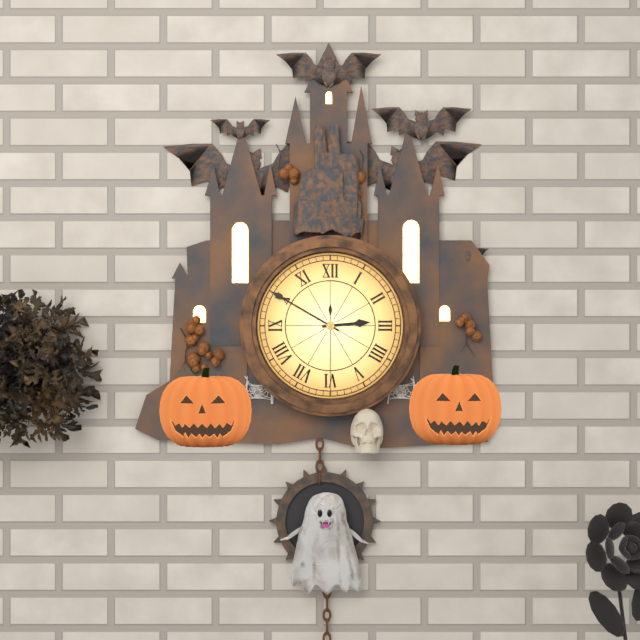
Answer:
**2:50:30**
